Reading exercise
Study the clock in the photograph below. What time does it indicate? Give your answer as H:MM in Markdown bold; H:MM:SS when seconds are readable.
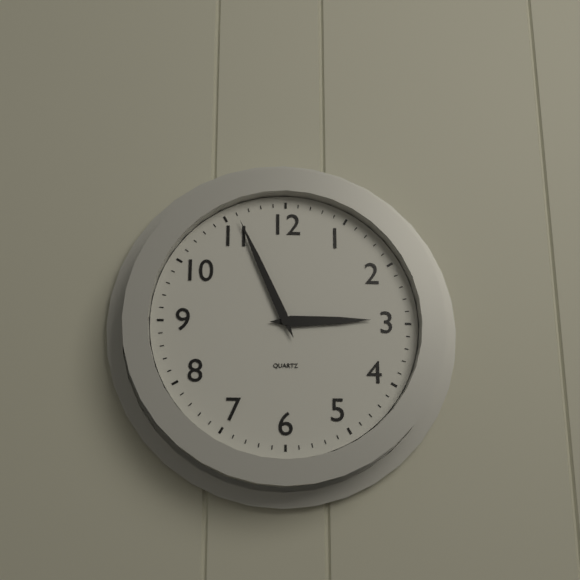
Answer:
**2:56**
